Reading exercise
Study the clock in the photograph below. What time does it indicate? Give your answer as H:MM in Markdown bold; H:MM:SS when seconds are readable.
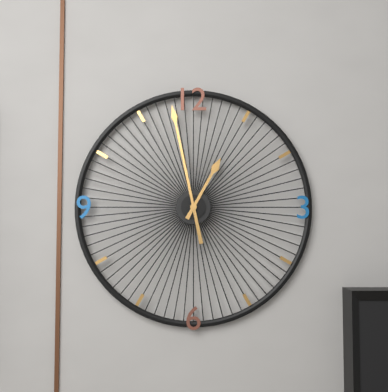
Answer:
**12:58**
